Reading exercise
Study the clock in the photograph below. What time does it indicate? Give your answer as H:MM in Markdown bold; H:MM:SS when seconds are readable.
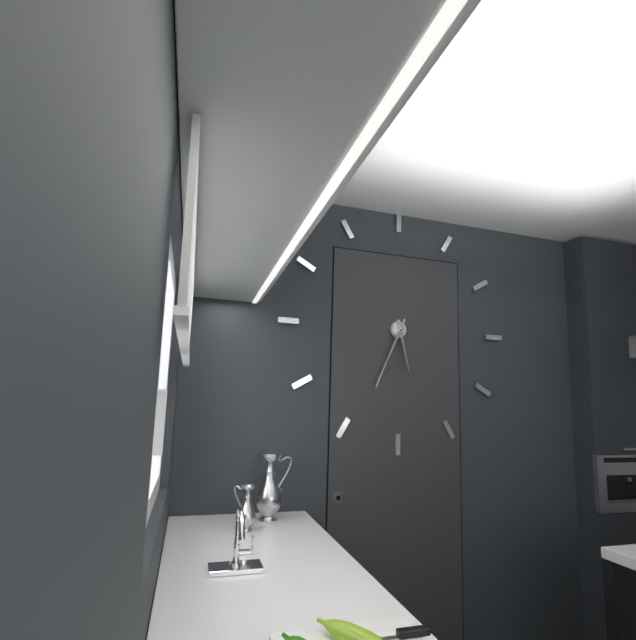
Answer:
**5:34**
